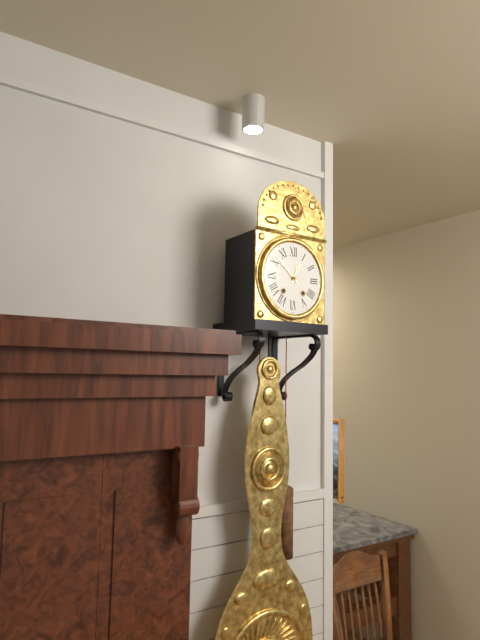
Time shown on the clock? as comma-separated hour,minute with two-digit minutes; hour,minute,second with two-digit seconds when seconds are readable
12,52
